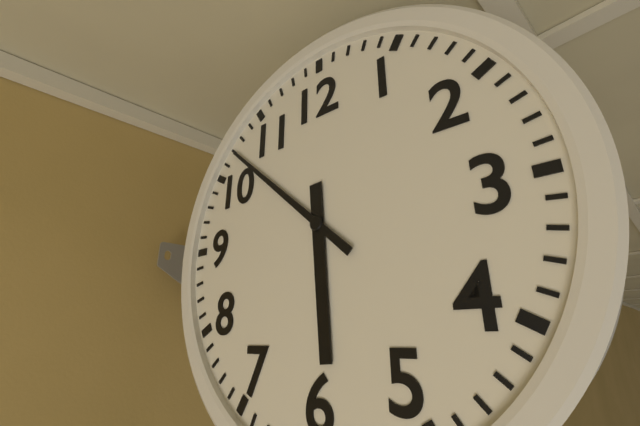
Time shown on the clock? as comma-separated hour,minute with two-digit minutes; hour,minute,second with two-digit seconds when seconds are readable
5,52
